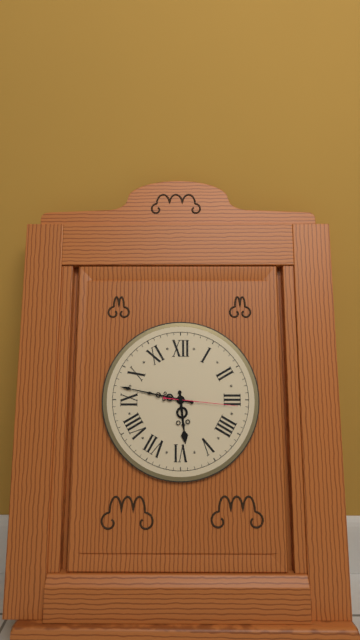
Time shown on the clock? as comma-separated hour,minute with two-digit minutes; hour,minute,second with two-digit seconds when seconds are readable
5,47,16
